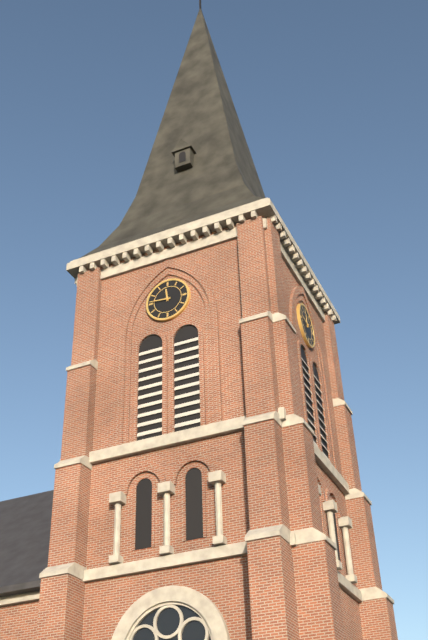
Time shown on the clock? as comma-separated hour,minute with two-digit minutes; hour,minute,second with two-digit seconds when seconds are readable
11,46
